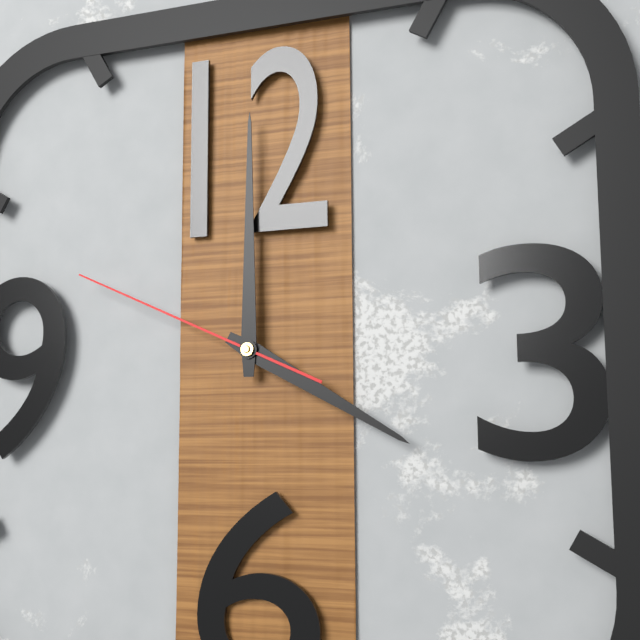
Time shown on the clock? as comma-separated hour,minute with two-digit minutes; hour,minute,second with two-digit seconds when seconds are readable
4,00,49
